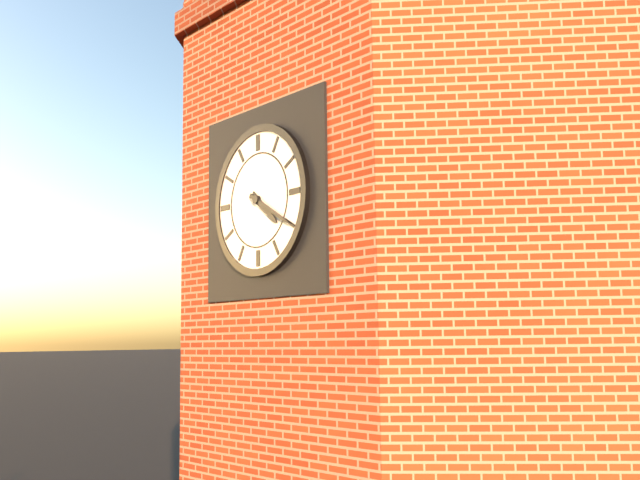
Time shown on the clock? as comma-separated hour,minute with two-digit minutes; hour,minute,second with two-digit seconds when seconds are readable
4,20
